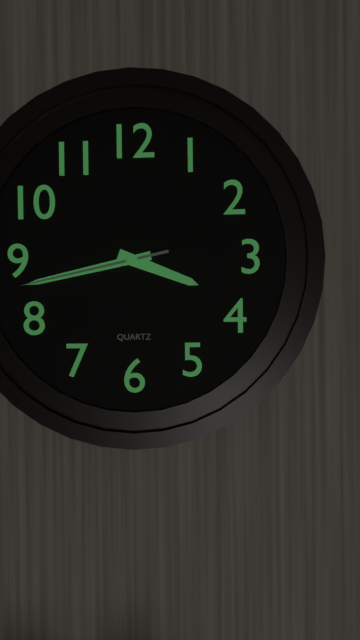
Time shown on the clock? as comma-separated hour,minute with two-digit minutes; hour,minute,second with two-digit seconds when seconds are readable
3,43,43
